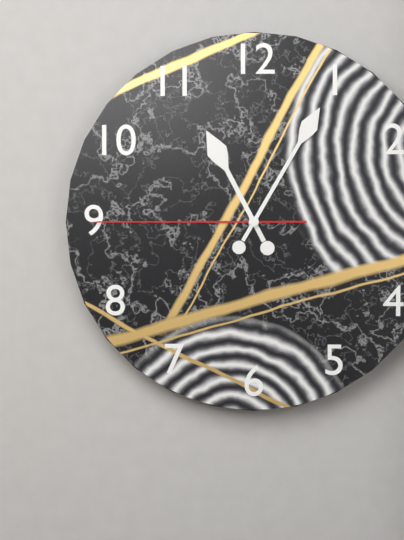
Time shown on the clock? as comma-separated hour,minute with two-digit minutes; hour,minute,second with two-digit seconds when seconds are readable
11,05,45
